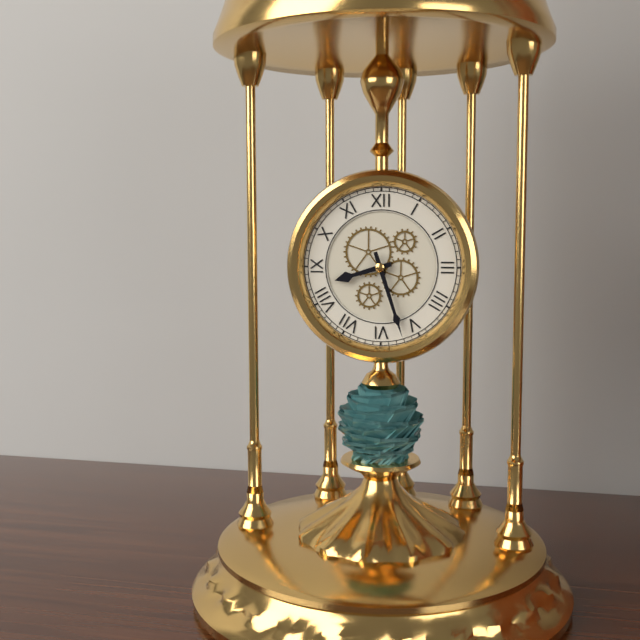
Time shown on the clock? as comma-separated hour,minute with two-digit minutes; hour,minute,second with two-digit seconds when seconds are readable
8,27
